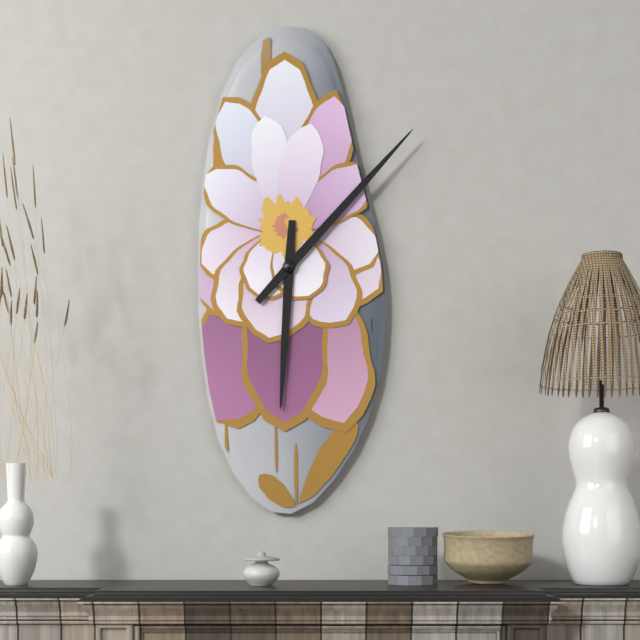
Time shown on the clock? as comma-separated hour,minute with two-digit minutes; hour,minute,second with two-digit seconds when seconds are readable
6,07
